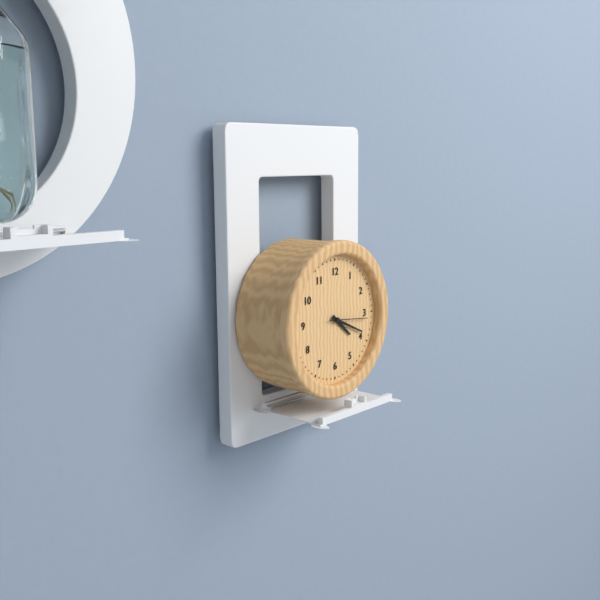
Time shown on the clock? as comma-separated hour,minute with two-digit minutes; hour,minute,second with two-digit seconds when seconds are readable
4,19
